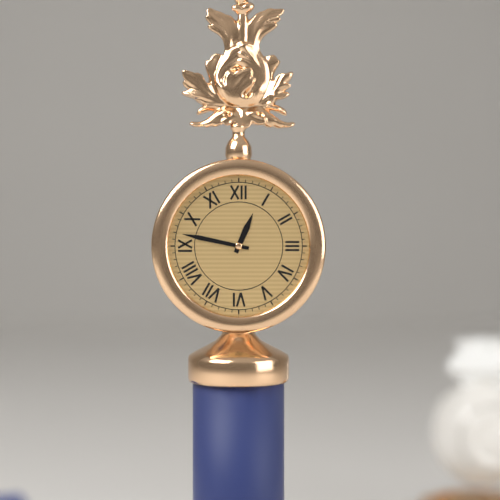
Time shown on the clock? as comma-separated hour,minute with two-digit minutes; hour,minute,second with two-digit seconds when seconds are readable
12,47
